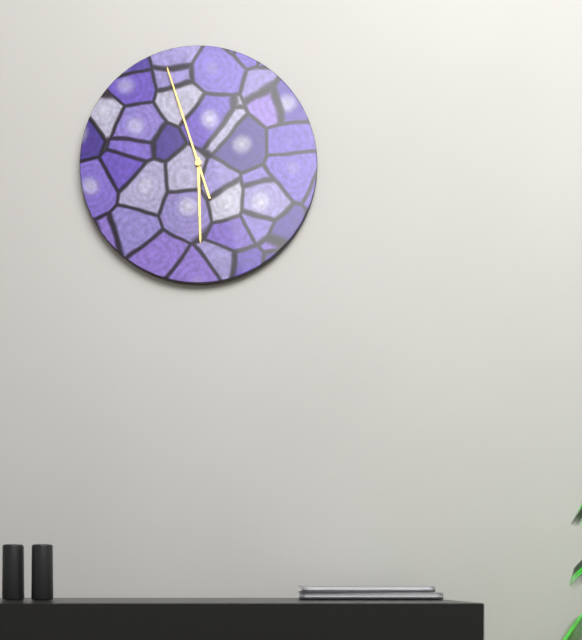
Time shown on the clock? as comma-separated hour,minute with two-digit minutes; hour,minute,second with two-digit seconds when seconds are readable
5,57
